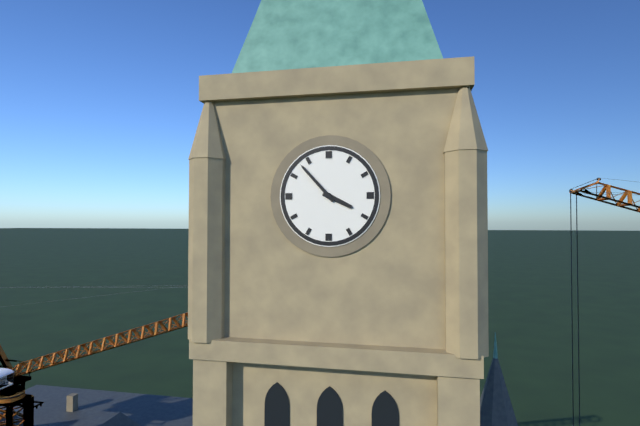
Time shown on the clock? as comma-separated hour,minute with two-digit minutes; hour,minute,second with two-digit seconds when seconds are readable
3,53
